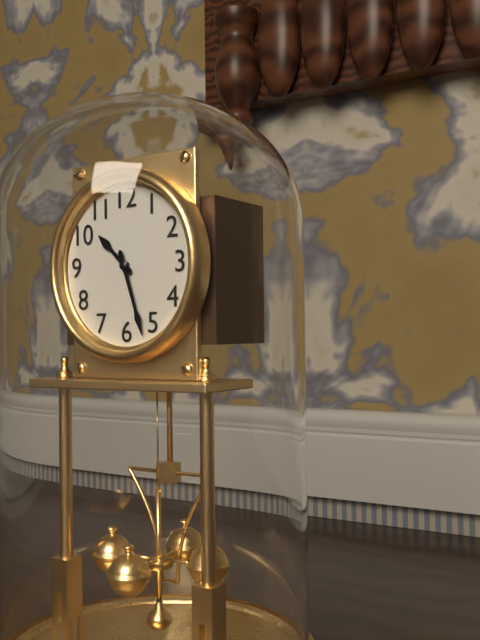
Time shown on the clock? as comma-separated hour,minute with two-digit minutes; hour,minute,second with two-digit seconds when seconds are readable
10,27
